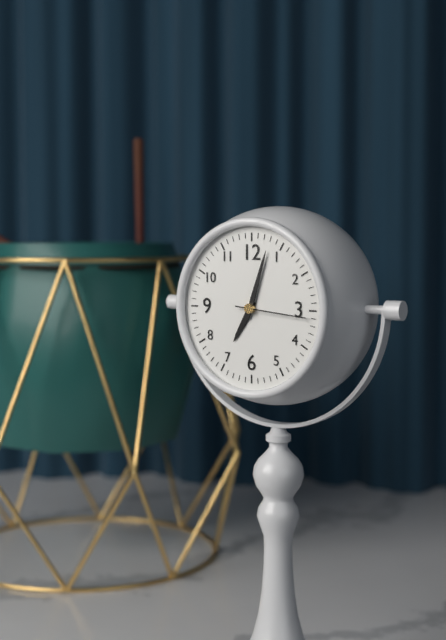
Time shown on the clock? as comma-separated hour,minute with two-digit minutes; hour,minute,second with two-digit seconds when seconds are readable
7,03,16
